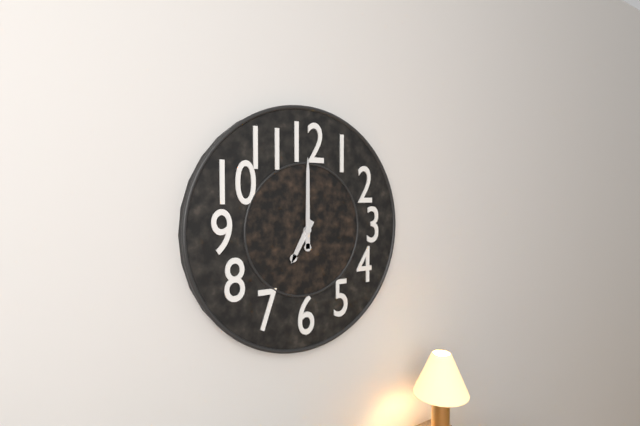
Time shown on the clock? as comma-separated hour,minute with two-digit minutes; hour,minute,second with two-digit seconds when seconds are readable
7,00
